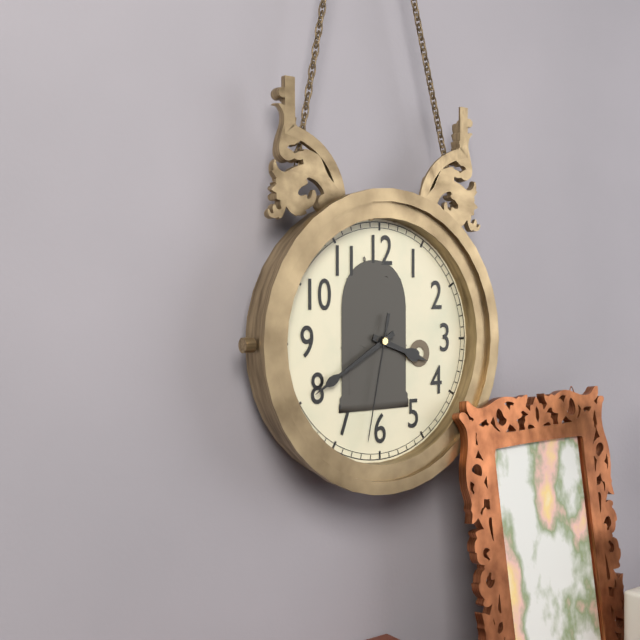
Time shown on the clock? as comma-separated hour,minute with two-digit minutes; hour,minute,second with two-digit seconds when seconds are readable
3,40,32
